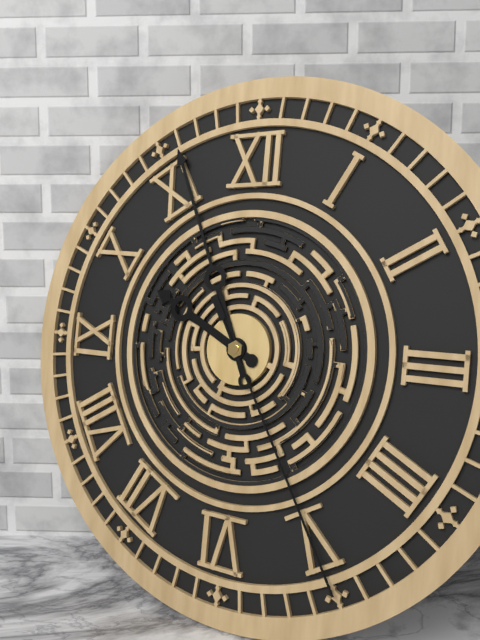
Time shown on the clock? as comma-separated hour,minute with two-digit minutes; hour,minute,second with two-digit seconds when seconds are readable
9,56,25
